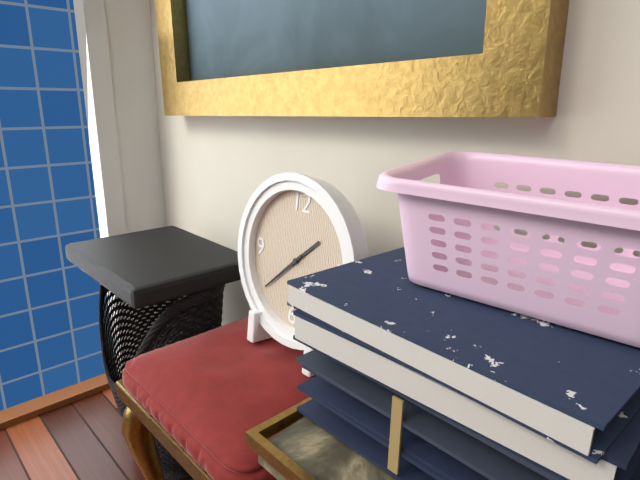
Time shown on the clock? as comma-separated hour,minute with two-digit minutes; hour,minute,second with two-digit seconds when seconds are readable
1,38
